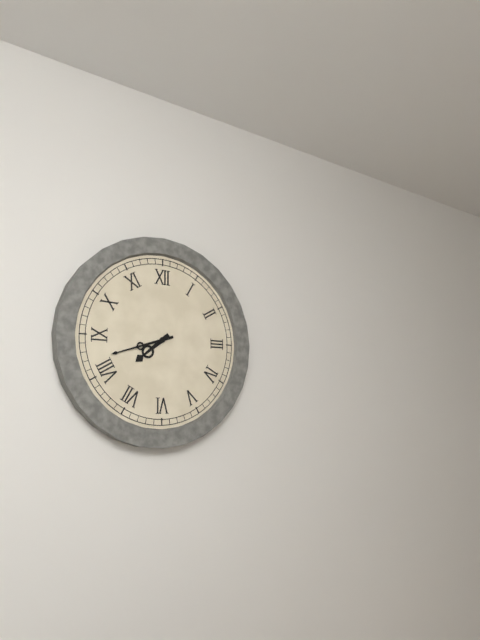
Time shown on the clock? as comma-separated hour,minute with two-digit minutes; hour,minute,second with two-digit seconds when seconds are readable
7,42
